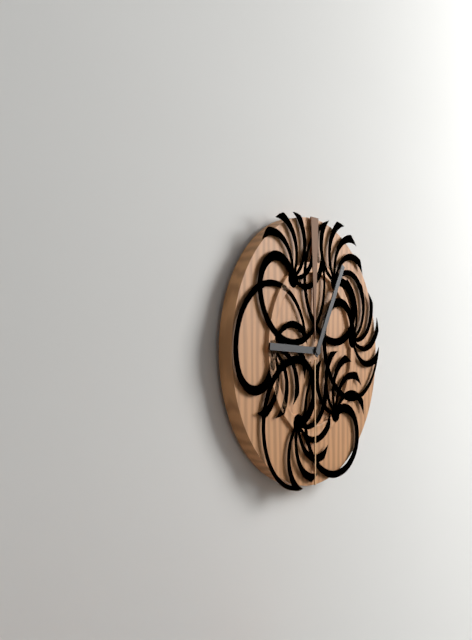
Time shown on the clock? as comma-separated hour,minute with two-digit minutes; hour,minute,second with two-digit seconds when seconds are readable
9,05
